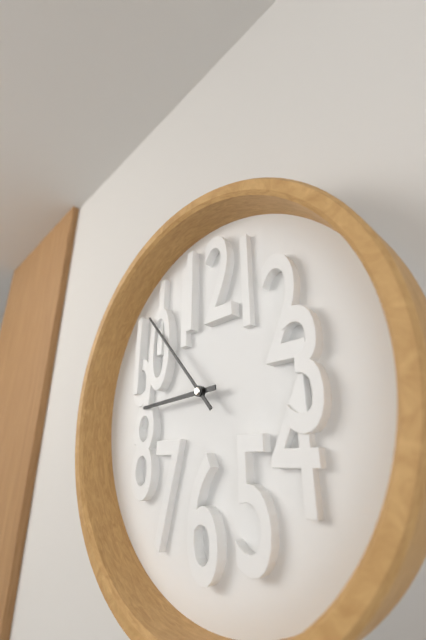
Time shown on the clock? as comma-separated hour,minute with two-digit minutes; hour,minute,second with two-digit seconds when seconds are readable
8,53
